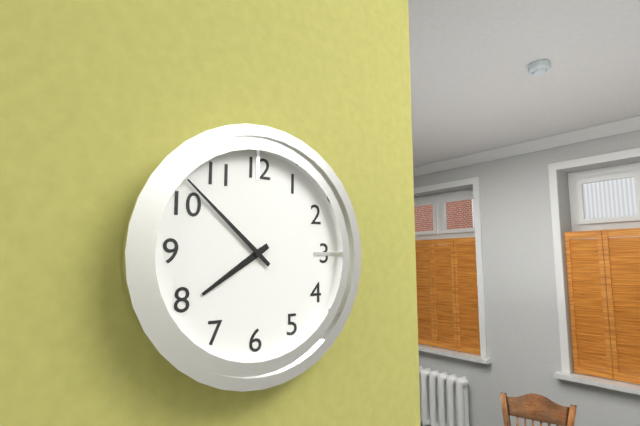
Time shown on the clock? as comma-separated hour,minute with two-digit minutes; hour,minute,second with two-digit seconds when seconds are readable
7,52
